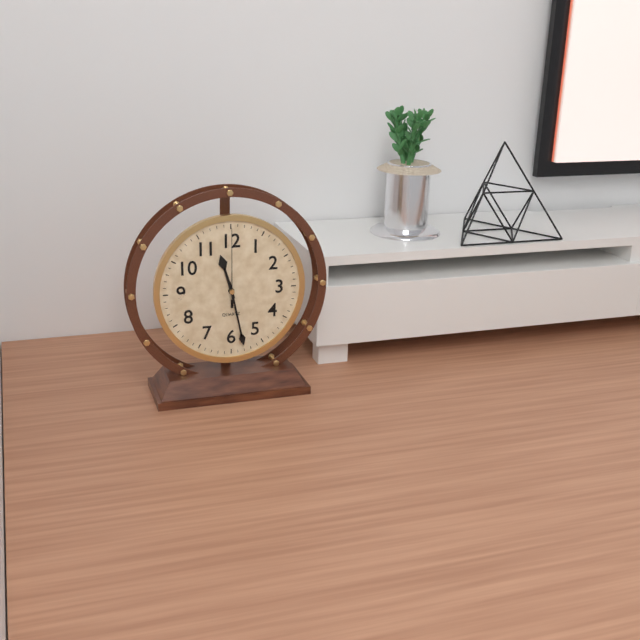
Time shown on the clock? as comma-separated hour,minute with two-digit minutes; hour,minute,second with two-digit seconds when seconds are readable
11,28,00
